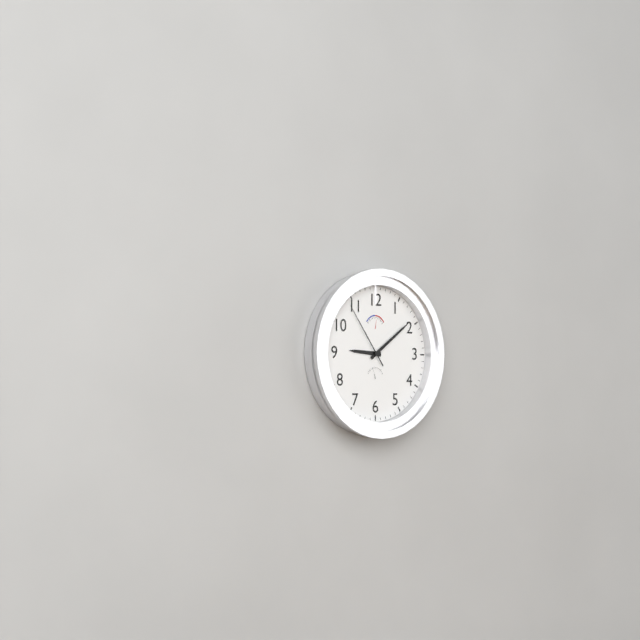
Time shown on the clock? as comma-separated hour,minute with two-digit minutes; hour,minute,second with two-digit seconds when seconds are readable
9,09,54
